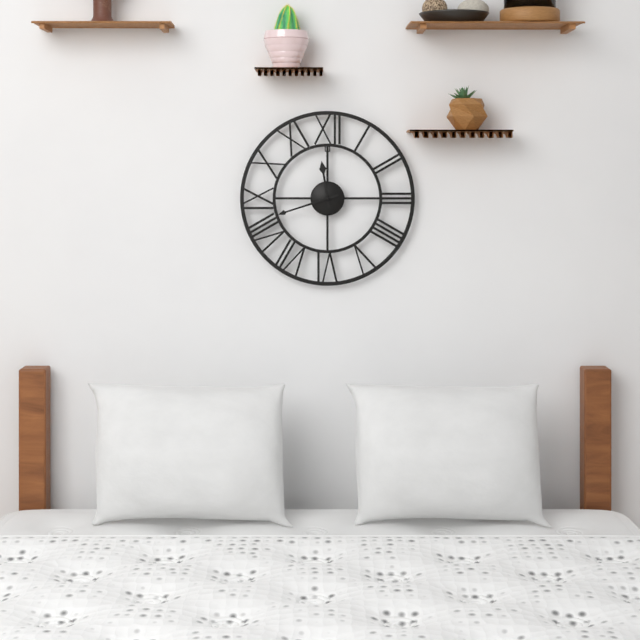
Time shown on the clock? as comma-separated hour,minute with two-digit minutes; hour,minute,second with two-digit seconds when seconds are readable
11,42
